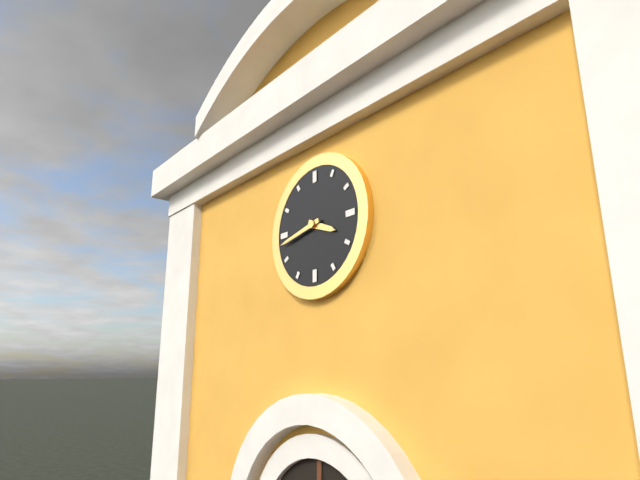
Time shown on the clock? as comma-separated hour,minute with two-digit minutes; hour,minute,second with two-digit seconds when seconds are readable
3,43
